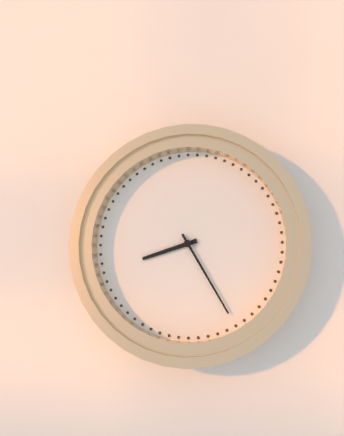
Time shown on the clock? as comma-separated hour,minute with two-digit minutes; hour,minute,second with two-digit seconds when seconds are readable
8,25
